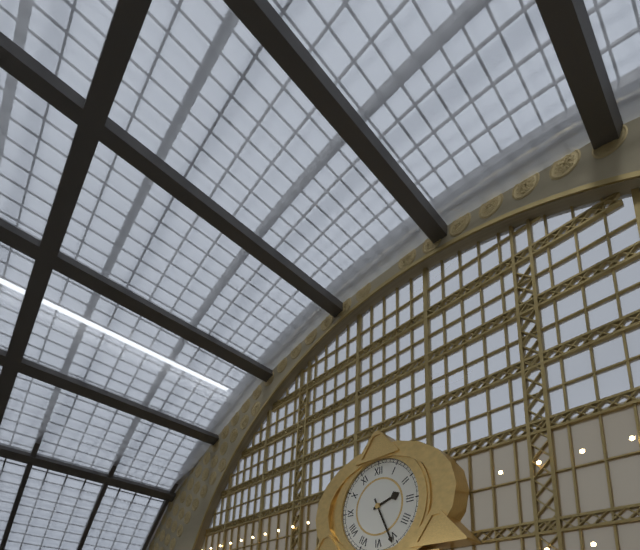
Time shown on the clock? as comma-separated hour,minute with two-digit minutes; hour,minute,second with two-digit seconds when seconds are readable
2,26
